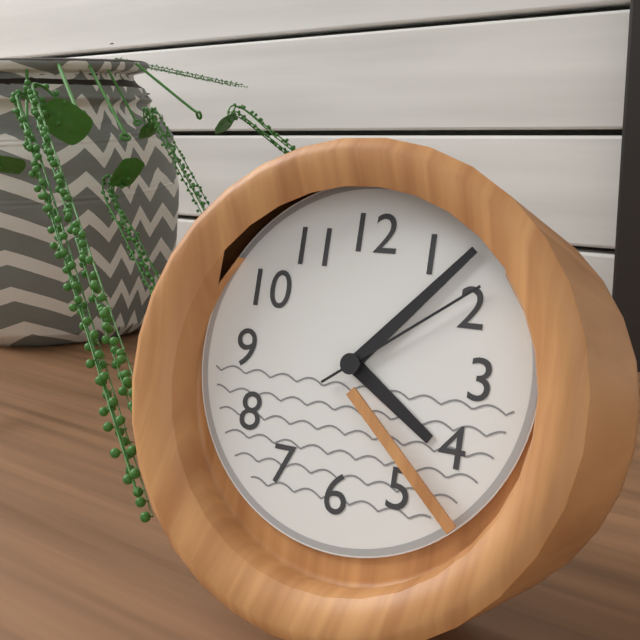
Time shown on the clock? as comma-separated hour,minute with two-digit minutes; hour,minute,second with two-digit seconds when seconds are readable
4,07,09
